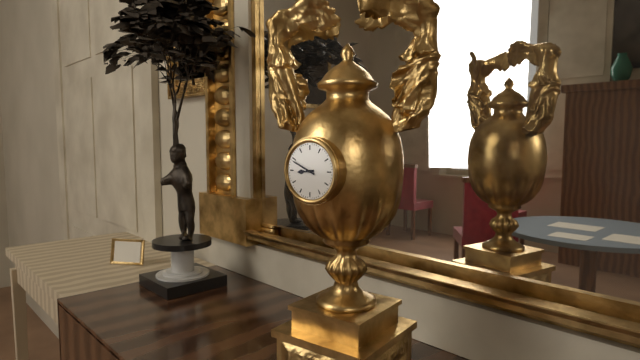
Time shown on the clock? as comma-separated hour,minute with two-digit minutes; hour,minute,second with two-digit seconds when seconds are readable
8,49
